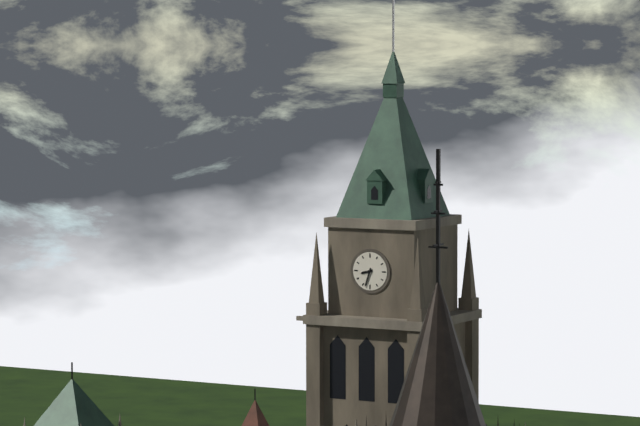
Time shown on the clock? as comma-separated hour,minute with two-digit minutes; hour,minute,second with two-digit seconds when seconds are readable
8,33
